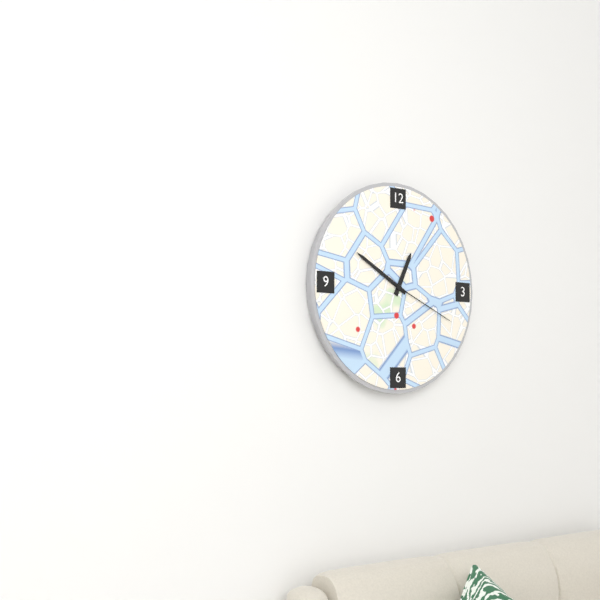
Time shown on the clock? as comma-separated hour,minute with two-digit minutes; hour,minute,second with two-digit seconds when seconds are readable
12,50,19
